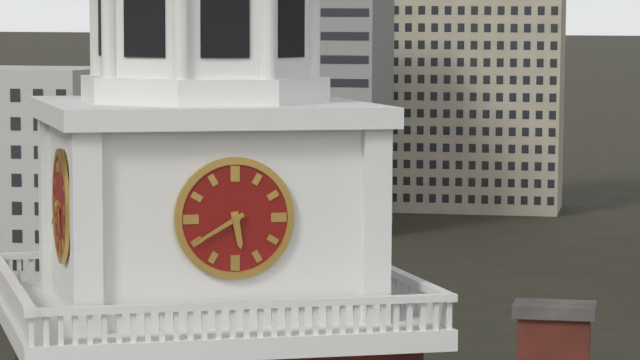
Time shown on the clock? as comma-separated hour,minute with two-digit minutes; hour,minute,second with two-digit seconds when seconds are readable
5,40
